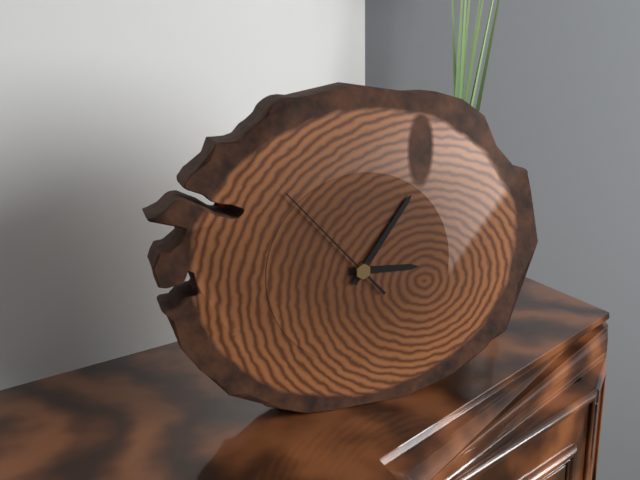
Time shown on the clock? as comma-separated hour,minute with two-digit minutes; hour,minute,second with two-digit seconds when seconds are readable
3,06,53
